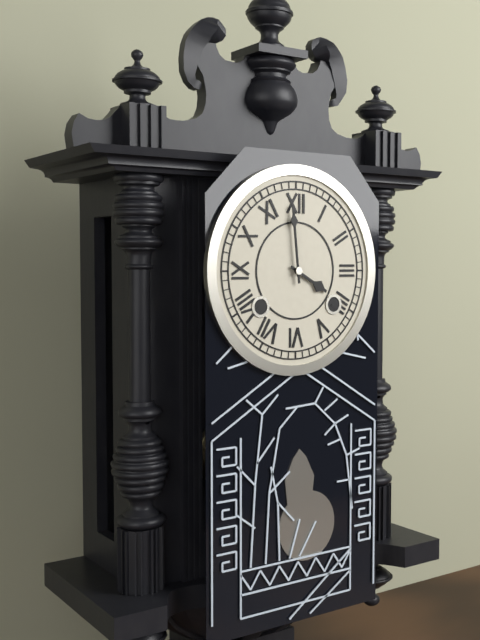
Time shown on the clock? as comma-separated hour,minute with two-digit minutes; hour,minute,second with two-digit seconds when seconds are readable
3,59
